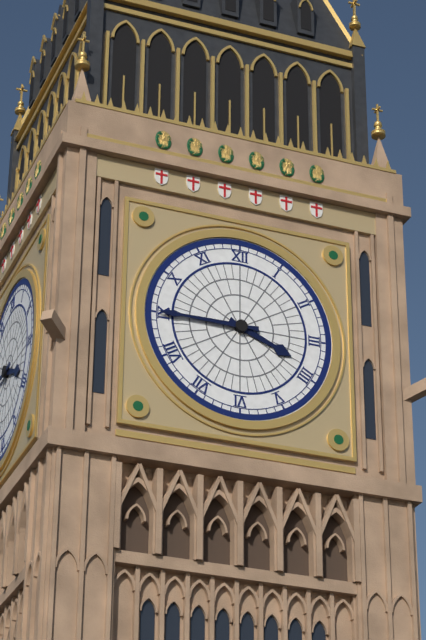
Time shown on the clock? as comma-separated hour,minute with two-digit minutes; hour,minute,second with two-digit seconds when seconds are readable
3,45
